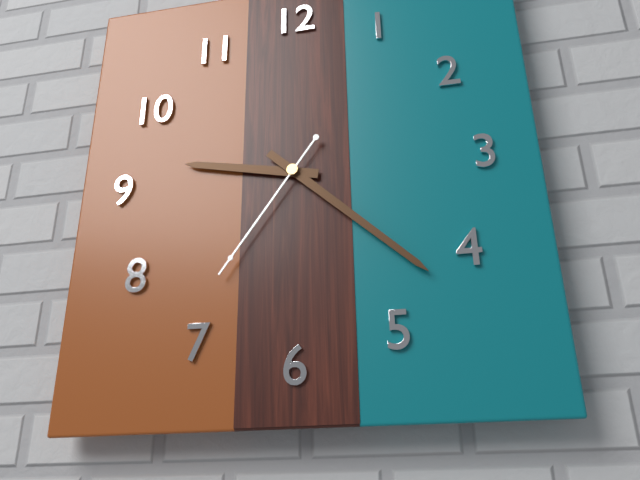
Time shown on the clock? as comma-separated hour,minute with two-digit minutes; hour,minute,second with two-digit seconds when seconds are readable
9,22,36
